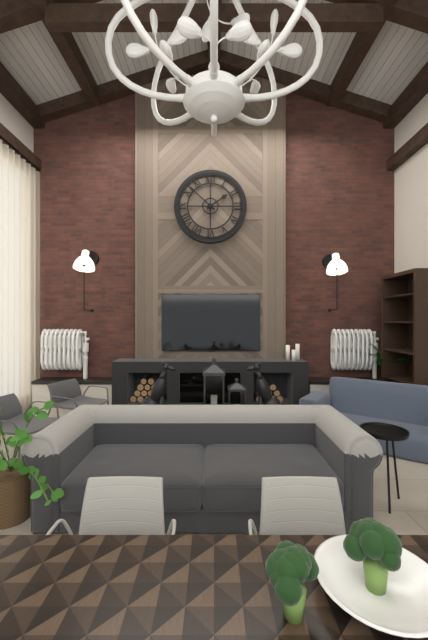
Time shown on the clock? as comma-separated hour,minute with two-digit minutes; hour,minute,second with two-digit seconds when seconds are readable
1,52
